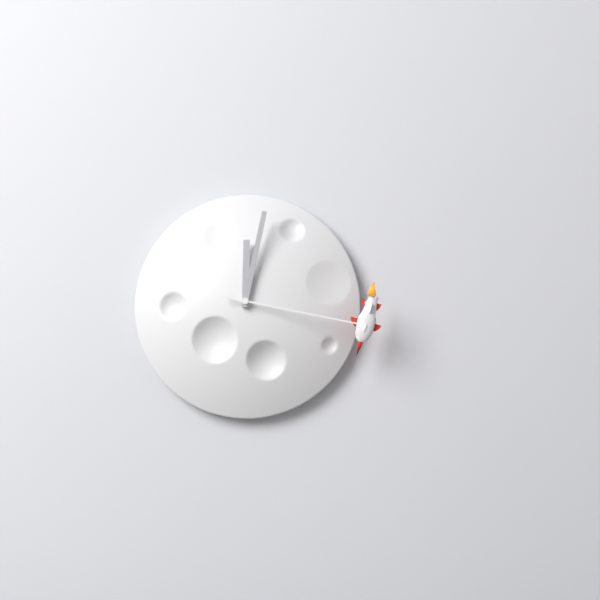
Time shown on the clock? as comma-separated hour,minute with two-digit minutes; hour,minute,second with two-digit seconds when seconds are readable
12,02,17
